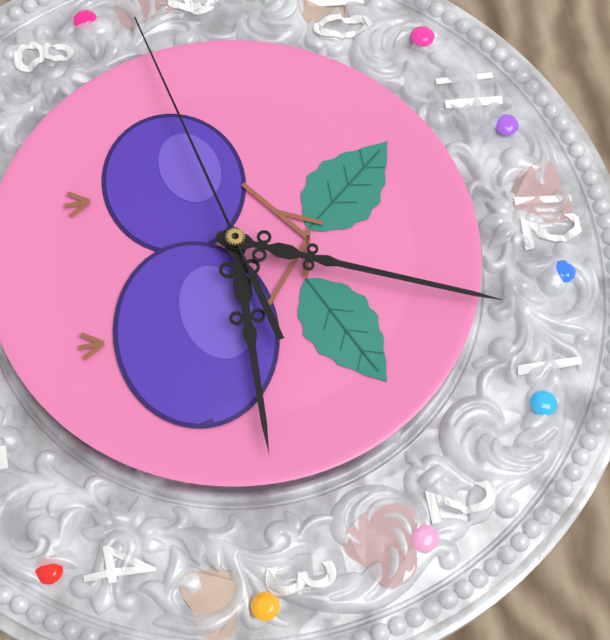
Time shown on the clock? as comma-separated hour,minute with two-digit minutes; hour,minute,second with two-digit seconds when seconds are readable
3,04,43
